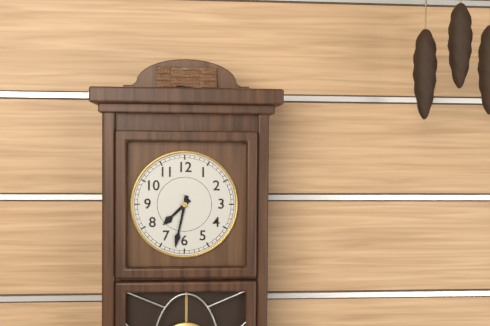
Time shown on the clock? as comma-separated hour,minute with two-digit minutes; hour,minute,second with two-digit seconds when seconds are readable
7,32
